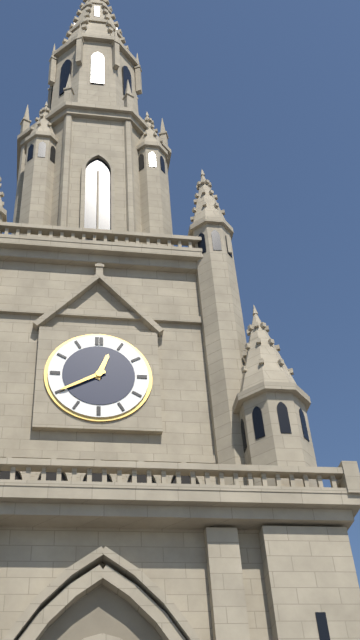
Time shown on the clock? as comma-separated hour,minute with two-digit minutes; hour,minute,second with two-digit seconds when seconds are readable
12,40
